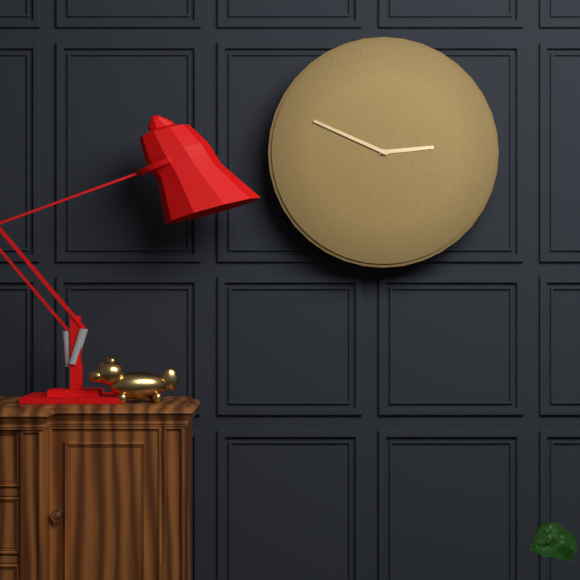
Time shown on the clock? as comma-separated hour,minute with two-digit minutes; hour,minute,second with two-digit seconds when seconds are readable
2,49
